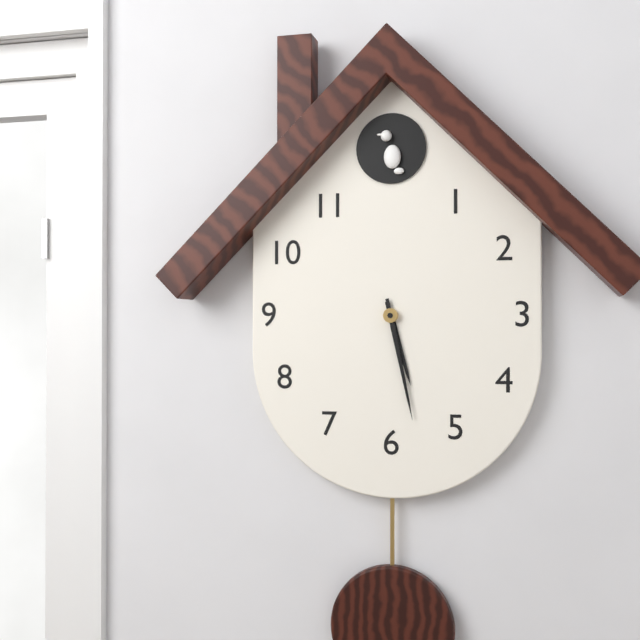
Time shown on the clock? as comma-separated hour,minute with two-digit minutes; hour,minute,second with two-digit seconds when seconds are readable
5,28
